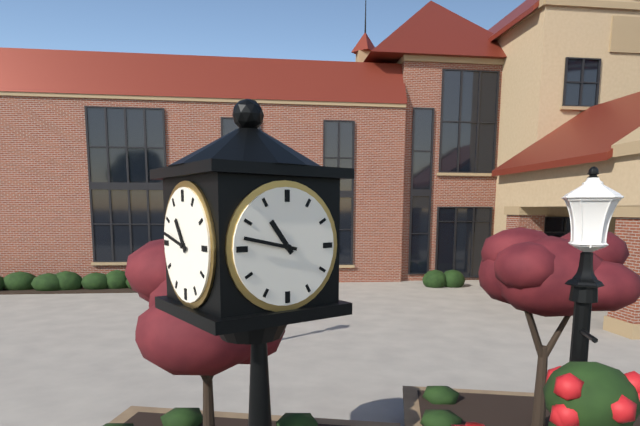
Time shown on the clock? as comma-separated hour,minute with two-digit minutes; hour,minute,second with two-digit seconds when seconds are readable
10,47
